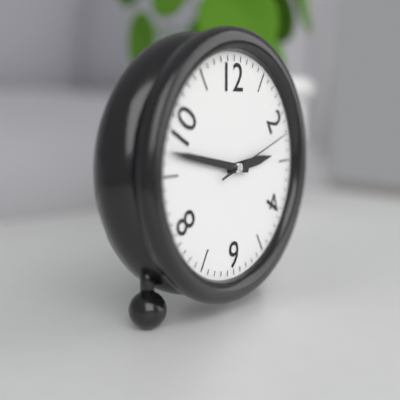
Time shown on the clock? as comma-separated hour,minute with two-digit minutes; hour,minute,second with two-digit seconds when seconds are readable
2,47,12
